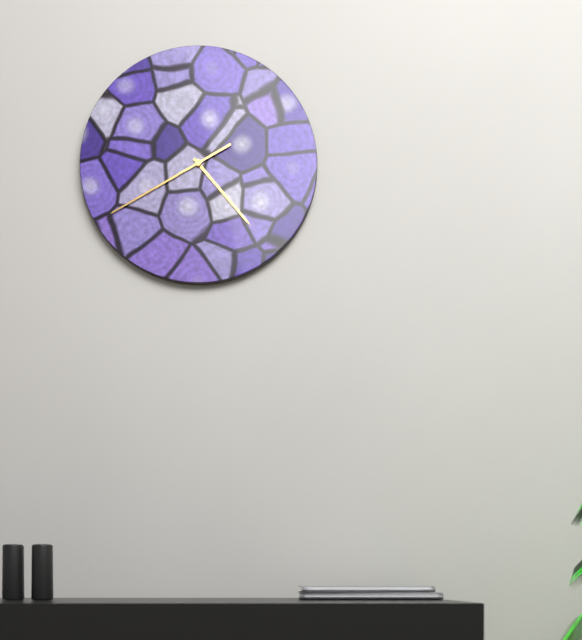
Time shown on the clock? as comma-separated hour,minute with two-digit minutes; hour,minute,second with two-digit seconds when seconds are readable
4,40
